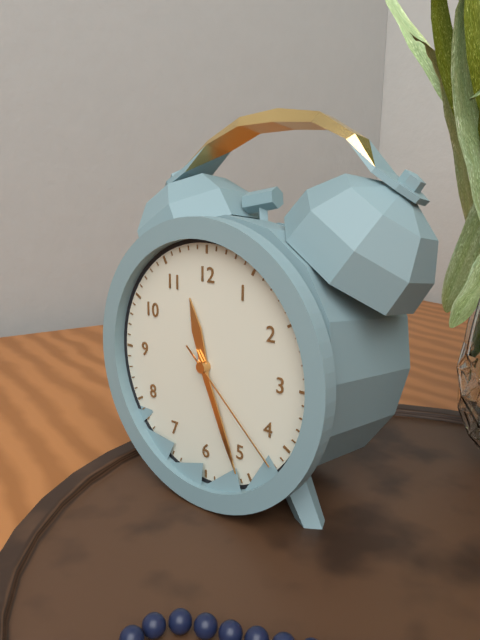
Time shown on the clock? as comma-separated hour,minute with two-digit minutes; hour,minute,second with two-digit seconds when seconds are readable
11,26,22
